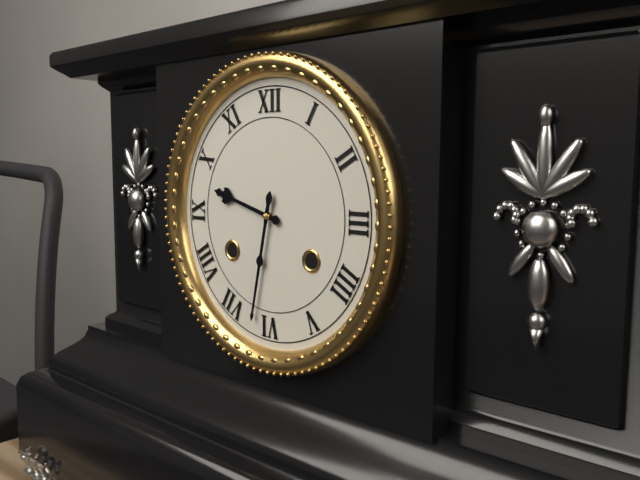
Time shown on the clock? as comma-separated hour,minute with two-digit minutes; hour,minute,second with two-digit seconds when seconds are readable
9,32
